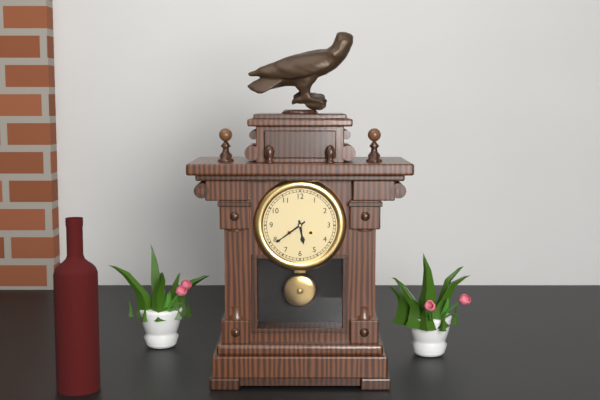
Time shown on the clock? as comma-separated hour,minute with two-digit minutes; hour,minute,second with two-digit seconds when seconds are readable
5,39
